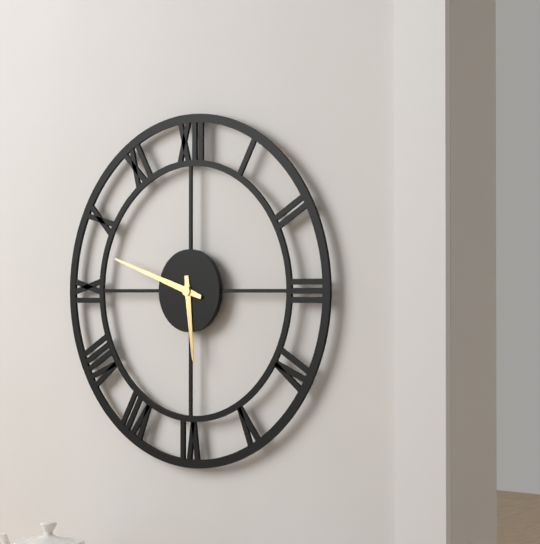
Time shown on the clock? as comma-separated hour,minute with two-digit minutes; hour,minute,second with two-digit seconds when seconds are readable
5,48
